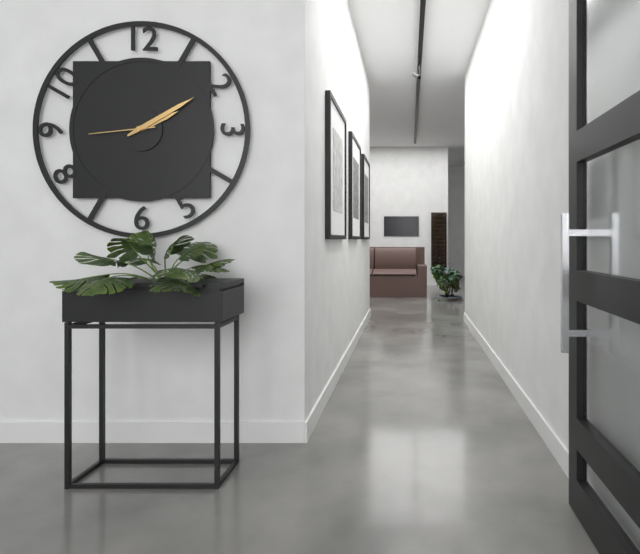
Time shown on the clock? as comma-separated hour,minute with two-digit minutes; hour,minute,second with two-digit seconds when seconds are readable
2,10,44
